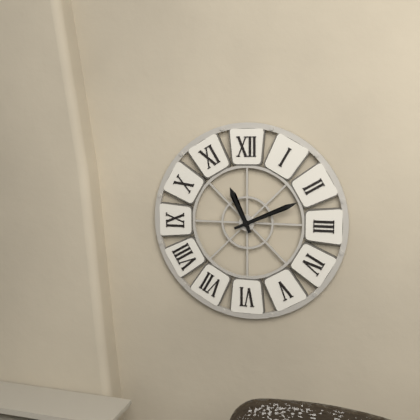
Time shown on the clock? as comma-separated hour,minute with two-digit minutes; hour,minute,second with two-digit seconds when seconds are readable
11,11
